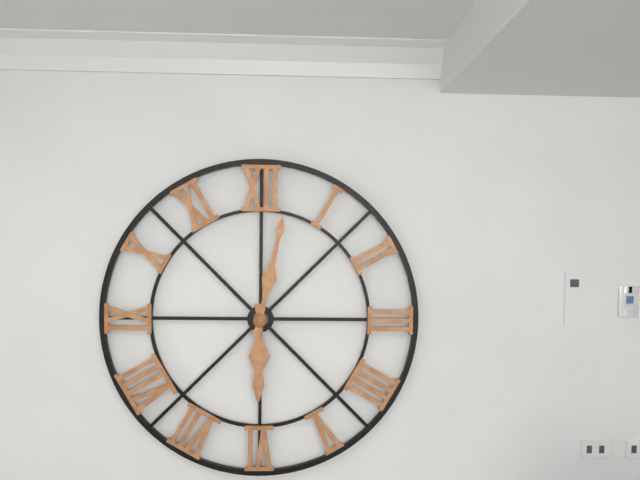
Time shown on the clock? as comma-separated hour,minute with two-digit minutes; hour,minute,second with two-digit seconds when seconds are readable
6,02
